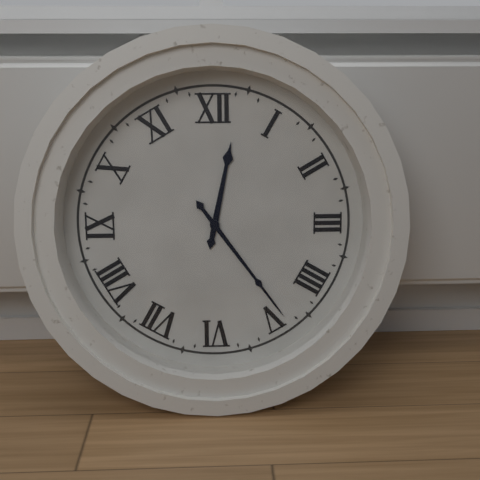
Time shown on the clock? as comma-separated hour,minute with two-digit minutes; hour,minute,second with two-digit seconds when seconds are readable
12,24
